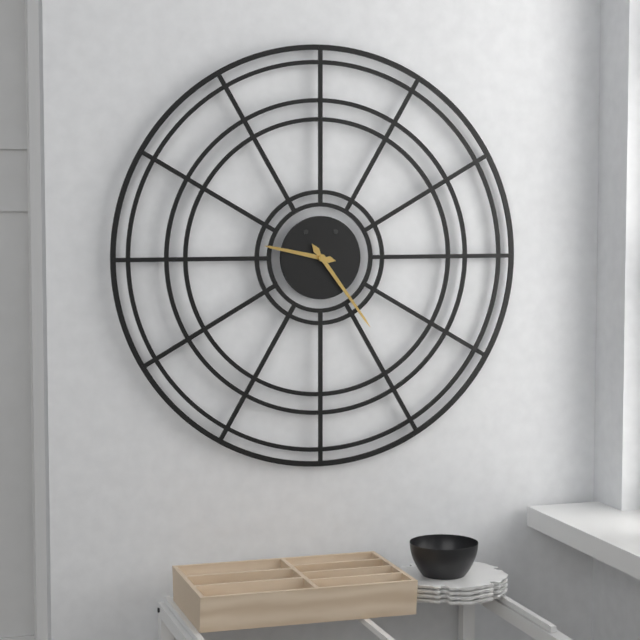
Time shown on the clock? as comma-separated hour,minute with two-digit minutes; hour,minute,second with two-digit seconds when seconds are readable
9,24
